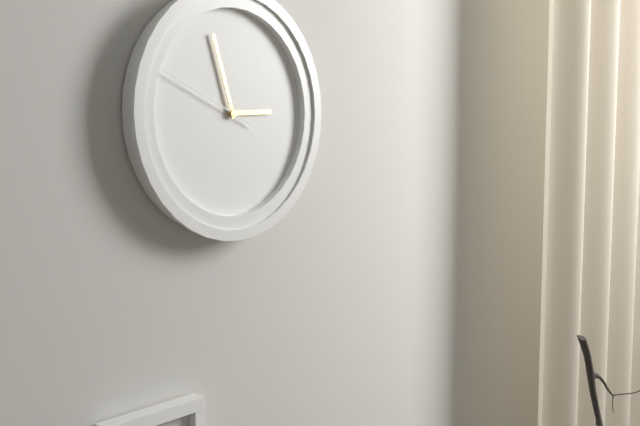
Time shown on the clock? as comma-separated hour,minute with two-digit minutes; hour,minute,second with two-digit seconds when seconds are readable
2,57,49
